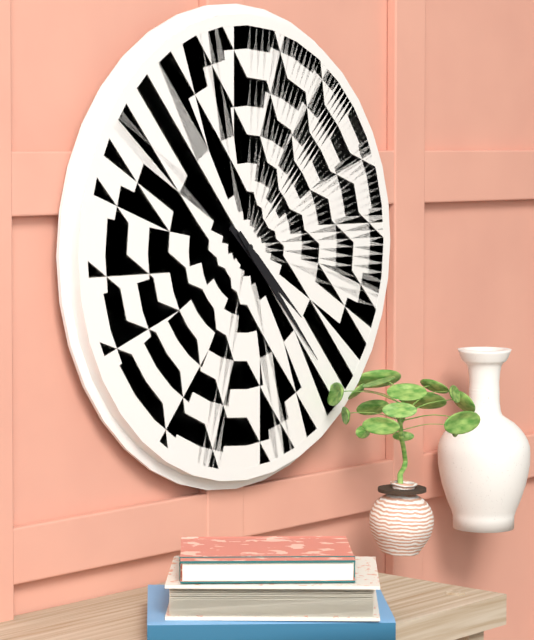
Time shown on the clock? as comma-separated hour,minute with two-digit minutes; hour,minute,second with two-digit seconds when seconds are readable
4,23
